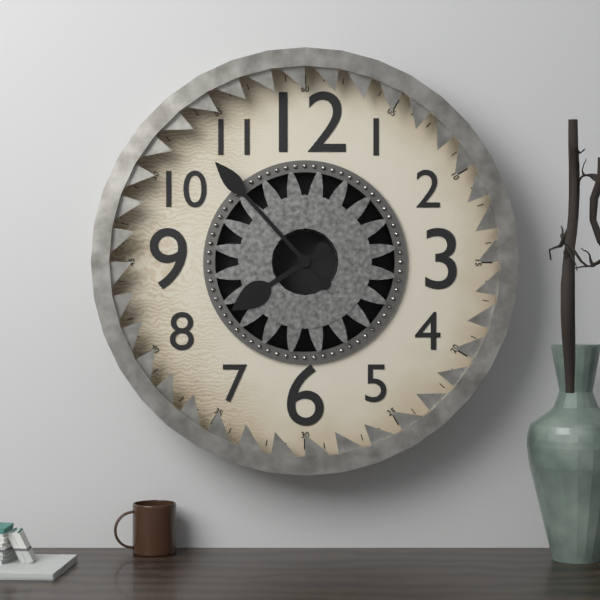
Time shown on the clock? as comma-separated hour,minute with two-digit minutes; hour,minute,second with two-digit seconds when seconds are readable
7,53
